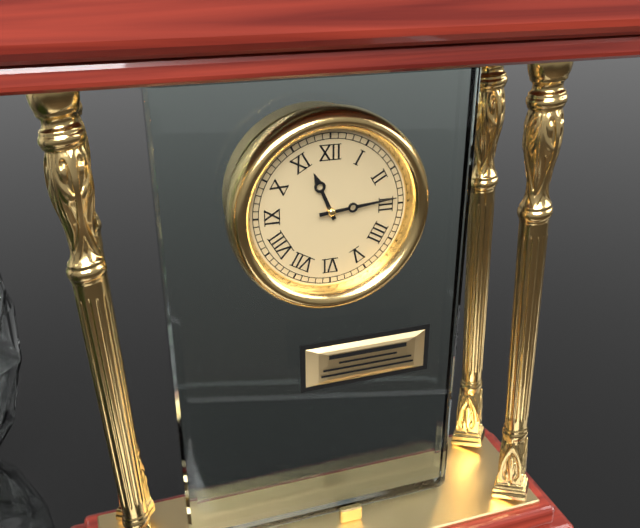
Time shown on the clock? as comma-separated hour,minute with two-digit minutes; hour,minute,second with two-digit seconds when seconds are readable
11,14
